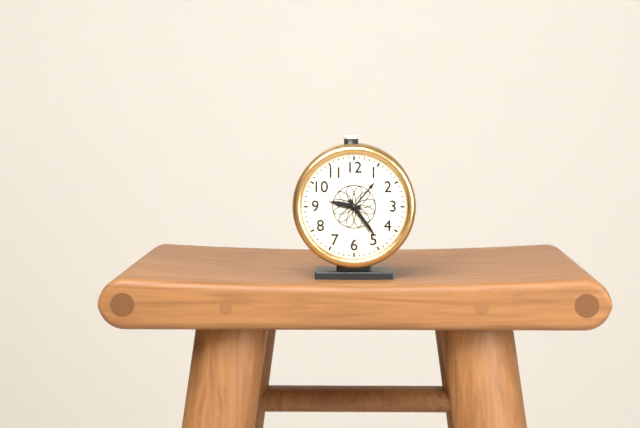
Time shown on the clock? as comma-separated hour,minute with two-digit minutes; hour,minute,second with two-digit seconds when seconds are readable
9,24
